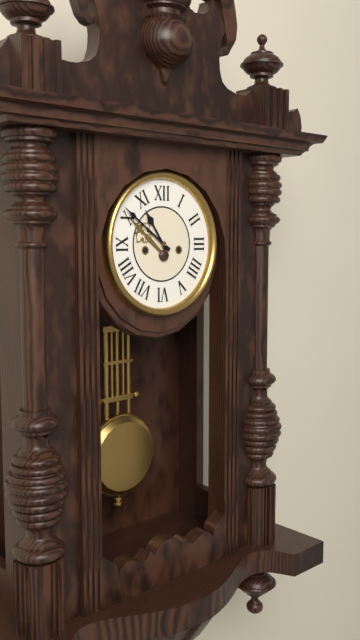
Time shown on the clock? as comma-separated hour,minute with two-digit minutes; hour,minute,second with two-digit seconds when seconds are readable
10,51
